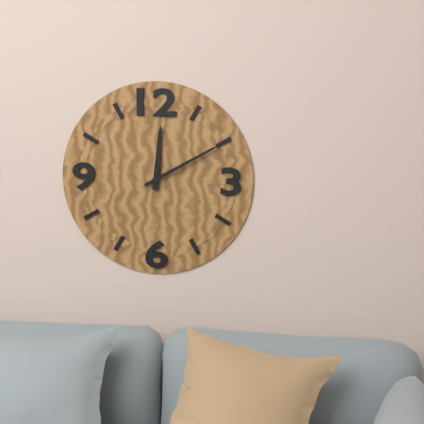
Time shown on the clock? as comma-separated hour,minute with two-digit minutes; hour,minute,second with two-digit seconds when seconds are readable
12,10
